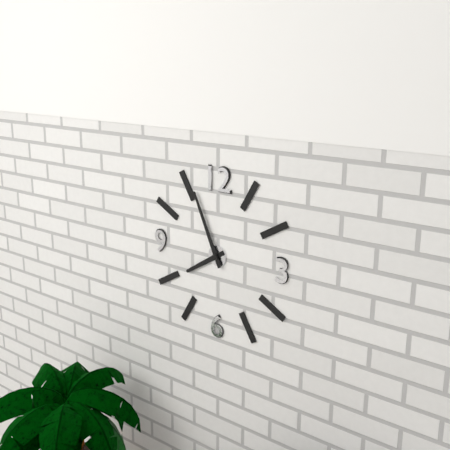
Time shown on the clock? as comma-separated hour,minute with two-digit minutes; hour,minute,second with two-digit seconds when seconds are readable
7,56
